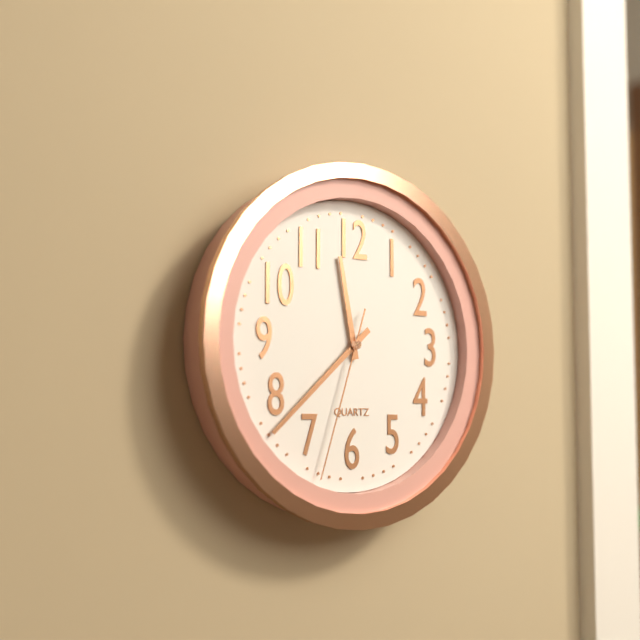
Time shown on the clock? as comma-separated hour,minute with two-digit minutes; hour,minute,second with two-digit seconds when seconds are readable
11,38,33
